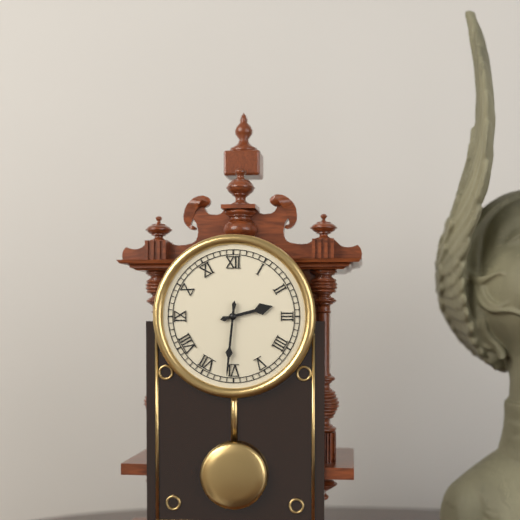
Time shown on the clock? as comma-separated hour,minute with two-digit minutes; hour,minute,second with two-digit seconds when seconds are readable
2,31
